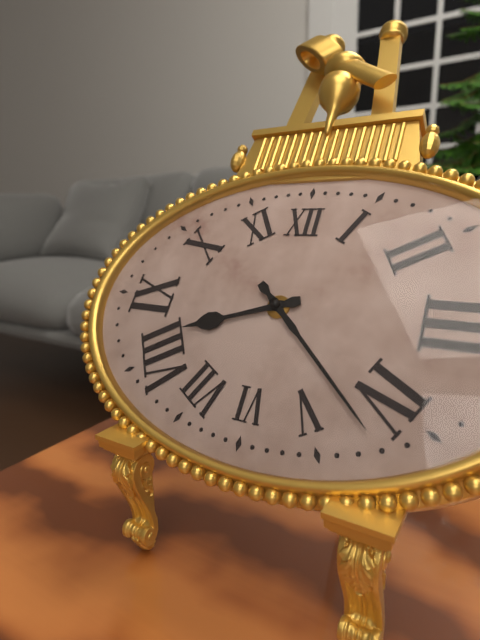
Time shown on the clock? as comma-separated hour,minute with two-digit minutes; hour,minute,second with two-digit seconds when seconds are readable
8,22
